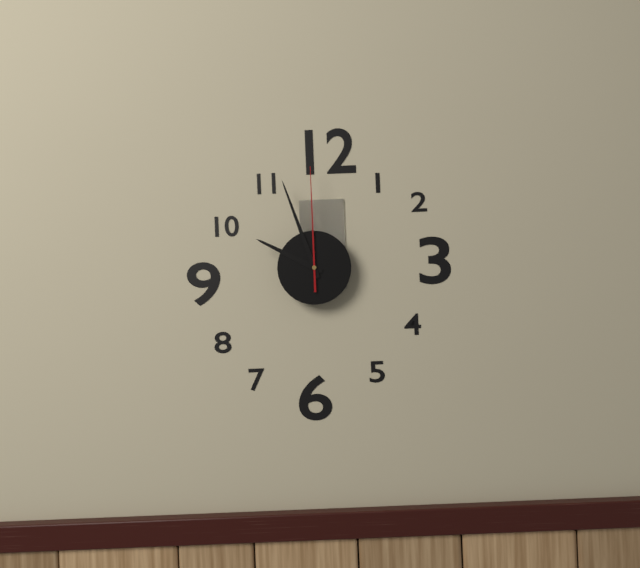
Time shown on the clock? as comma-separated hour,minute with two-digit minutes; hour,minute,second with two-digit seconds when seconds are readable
9,57,00
